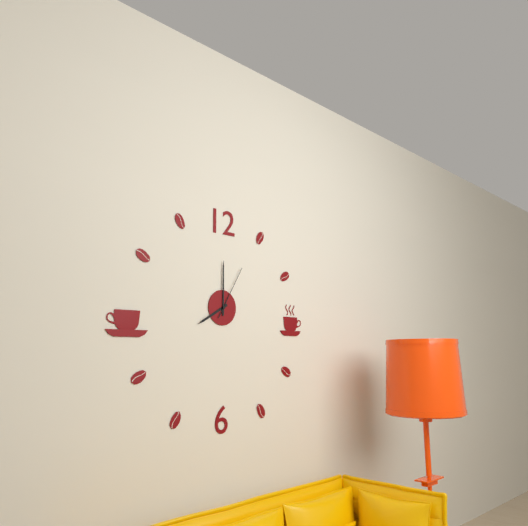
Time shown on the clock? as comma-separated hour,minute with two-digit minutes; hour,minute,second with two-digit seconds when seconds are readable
8,00,05
